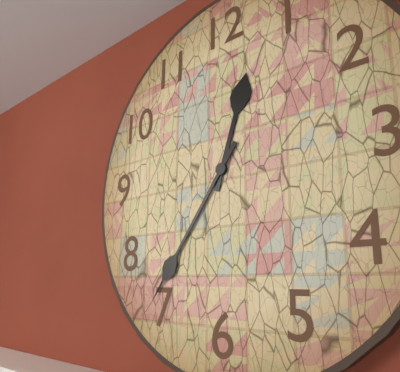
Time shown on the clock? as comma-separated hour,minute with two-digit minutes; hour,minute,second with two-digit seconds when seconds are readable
12,36
